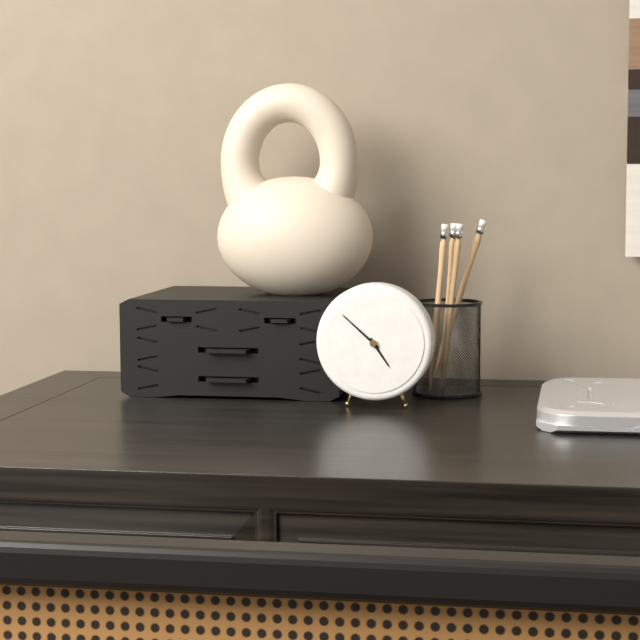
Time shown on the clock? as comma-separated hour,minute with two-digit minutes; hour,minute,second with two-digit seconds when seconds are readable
4,52
